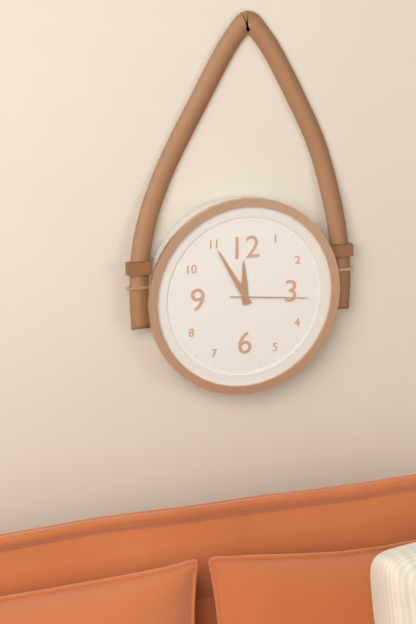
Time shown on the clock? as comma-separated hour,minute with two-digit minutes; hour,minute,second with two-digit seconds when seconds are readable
11,55,16
